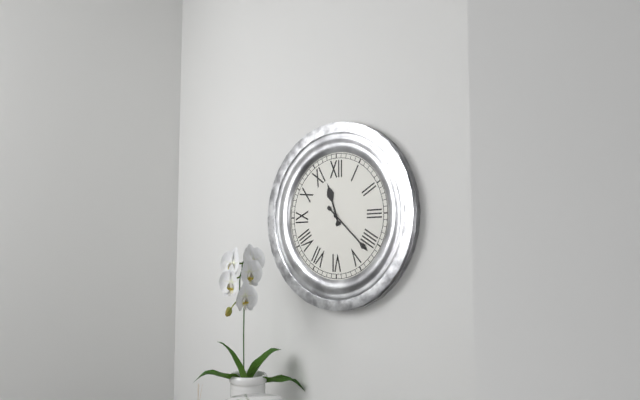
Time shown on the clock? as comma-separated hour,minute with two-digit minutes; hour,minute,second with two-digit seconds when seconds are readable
11,22
